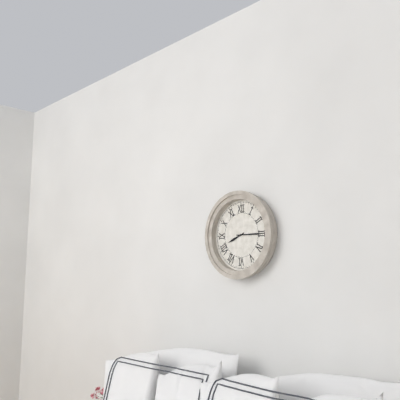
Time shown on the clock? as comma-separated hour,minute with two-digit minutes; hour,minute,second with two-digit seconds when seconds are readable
8,15
